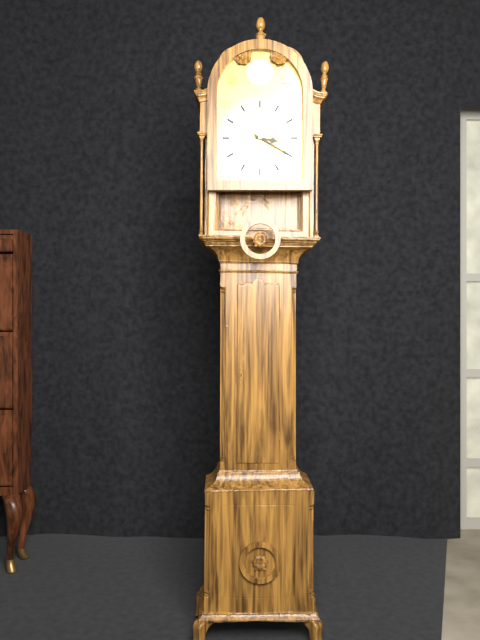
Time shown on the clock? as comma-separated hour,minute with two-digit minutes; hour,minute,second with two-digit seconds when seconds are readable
3,20
